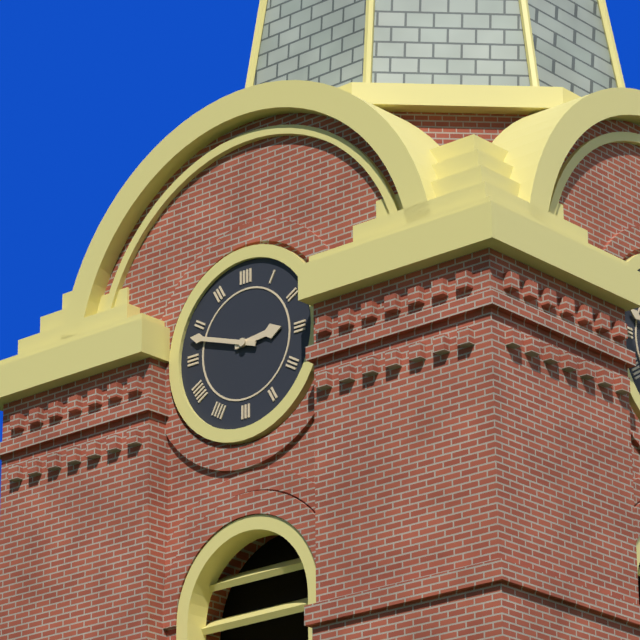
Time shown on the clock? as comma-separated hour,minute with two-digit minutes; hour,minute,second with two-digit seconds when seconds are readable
2,48
